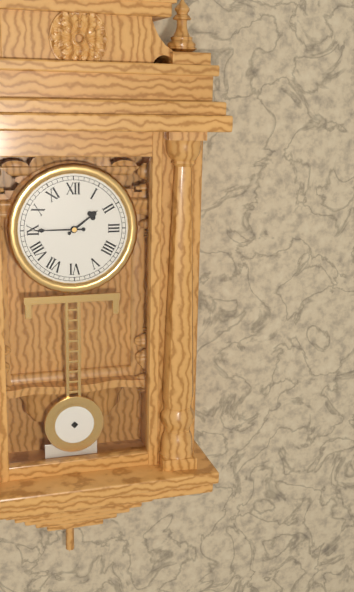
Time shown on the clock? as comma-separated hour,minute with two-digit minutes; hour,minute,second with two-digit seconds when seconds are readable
1,45
